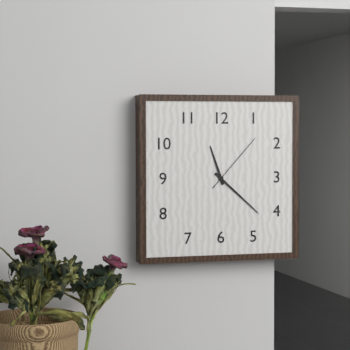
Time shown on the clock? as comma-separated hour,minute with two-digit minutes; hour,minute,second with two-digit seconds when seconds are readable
11,22,07
